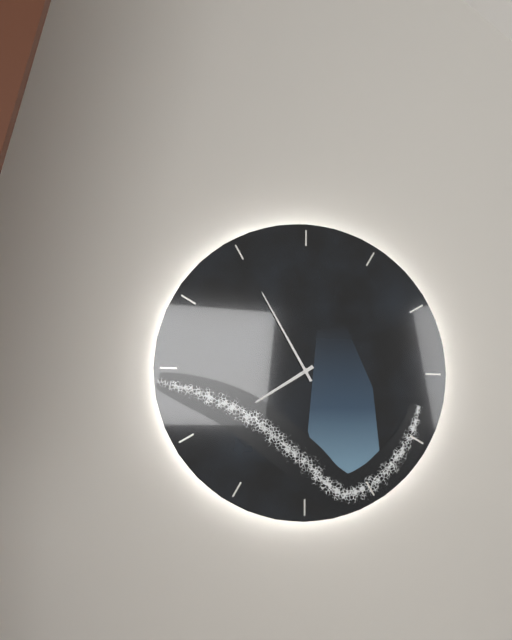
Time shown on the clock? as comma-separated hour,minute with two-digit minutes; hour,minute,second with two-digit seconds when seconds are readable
7,55
